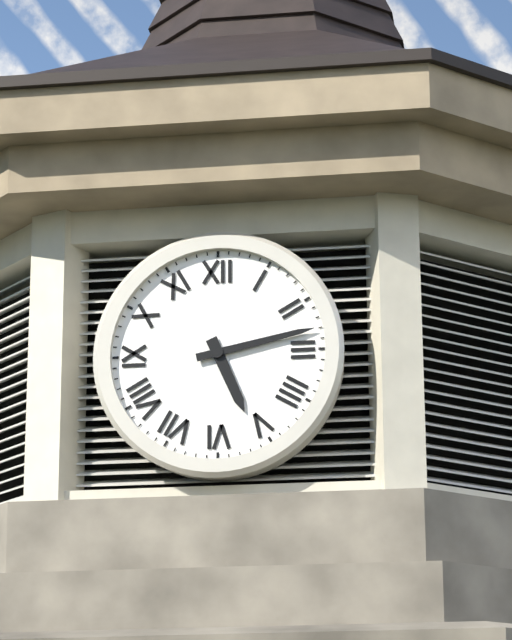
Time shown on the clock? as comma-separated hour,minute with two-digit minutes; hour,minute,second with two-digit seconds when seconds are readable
5,13
